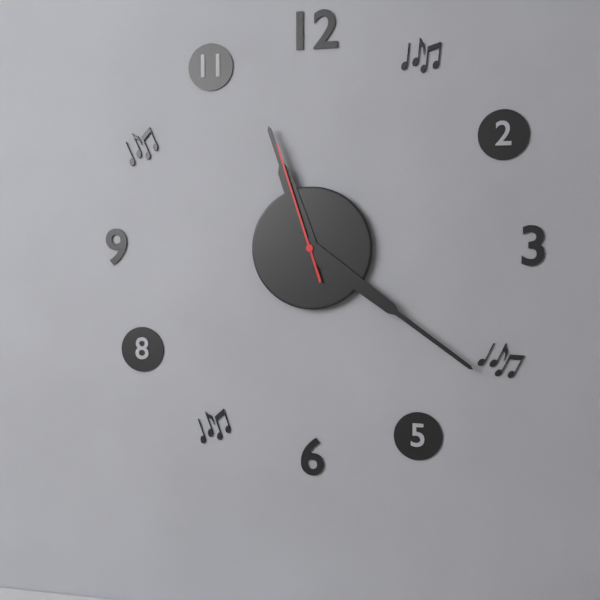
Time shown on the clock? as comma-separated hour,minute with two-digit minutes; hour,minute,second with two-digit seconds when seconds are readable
11,21,57
